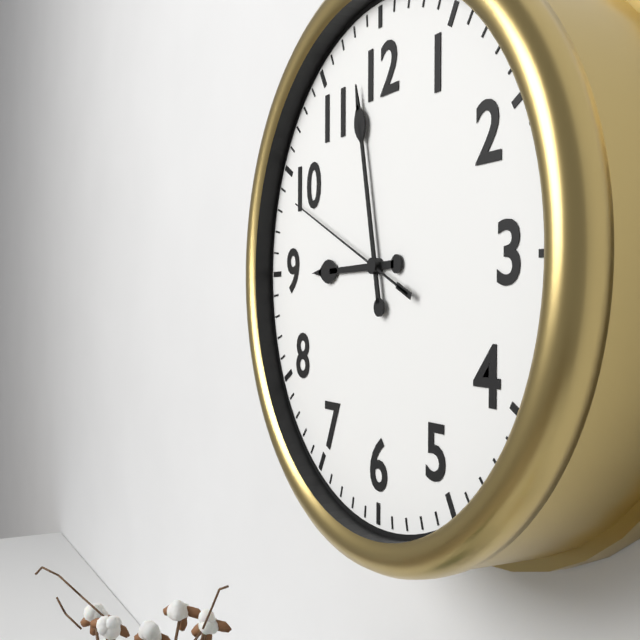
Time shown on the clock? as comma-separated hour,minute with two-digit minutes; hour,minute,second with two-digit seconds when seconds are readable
8,58,49
